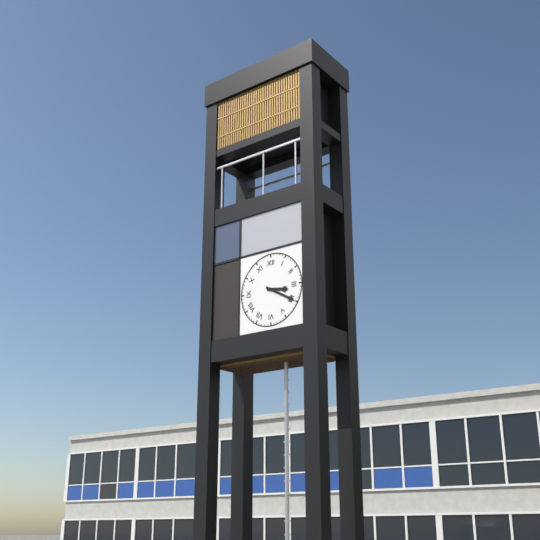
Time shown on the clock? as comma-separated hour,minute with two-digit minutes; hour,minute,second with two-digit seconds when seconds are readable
3,20
